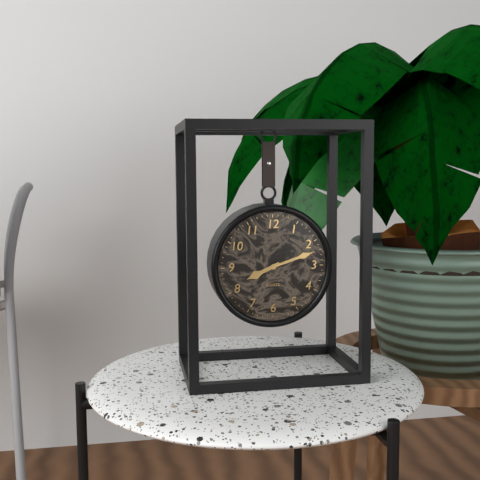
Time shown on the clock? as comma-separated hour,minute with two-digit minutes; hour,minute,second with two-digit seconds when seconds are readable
8,12
